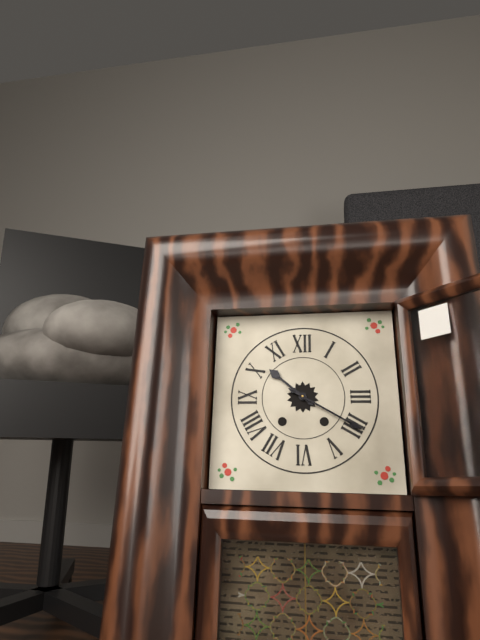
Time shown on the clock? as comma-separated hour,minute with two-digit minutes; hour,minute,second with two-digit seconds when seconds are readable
10,20
